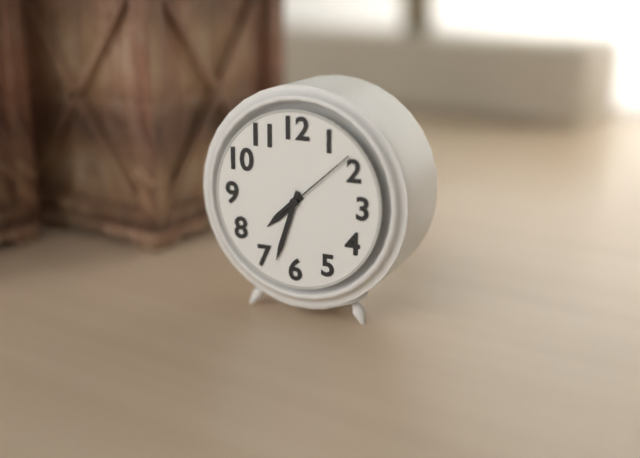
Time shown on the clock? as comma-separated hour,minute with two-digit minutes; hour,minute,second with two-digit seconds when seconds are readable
7,33,08
